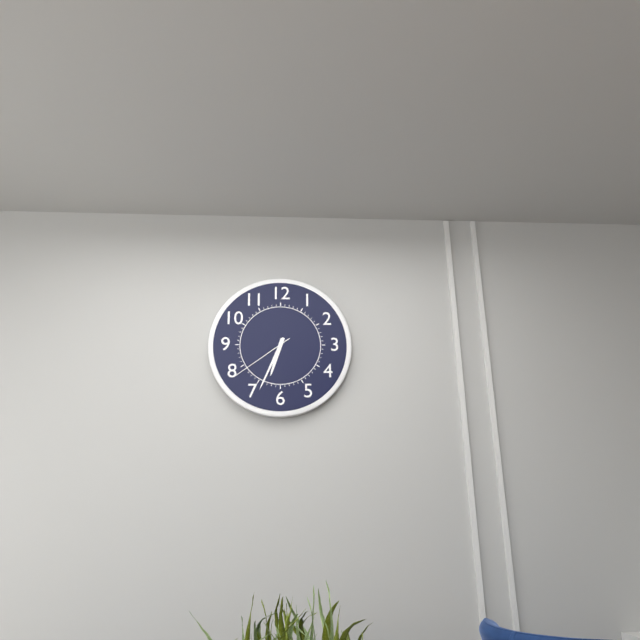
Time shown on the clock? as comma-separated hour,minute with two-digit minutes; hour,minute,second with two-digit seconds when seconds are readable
6,34,39
